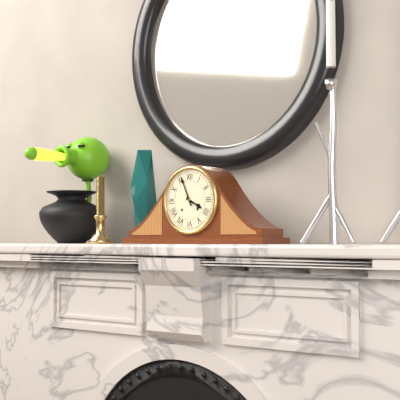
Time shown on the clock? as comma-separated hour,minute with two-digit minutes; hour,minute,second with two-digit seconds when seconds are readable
3,56
